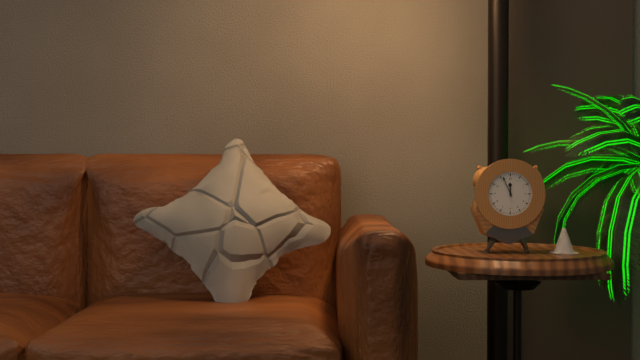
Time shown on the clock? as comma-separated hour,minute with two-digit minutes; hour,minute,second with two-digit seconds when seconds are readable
11,56
